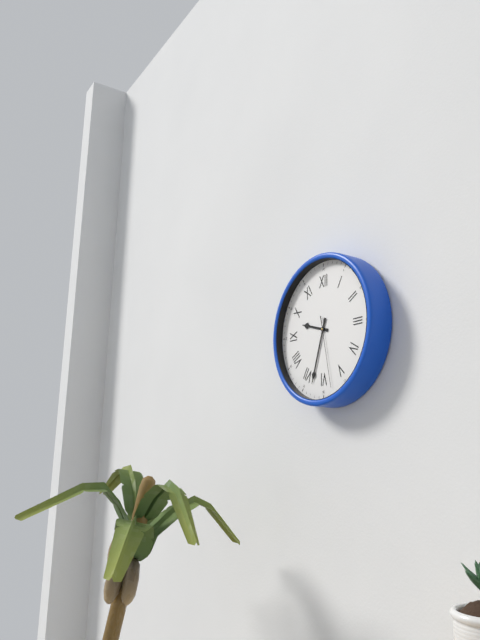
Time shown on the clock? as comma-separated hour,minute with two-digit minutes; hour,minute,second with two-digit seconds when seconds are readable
9,33,28
